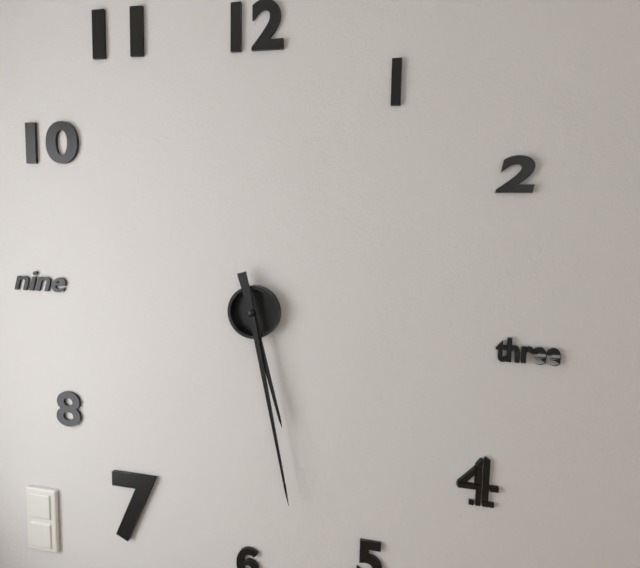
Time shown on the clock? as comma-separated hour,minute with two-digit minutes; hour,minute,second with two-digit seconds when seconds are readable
5,28
